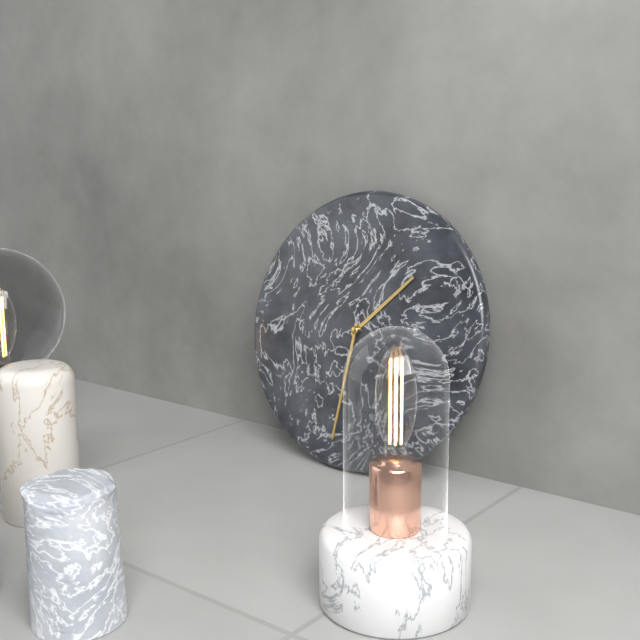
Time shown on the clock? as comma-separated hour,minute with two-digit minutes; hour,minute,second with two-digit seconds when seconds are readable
1,31
